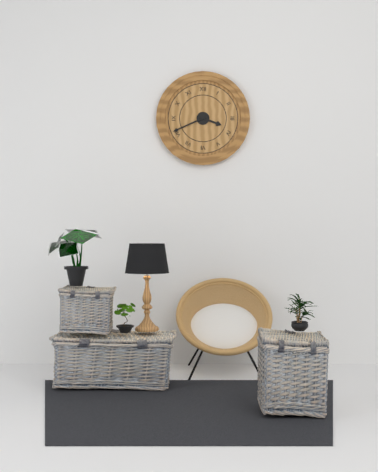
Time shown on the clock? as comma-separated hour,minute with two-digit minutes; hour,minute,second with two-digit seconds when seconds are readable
3,41
